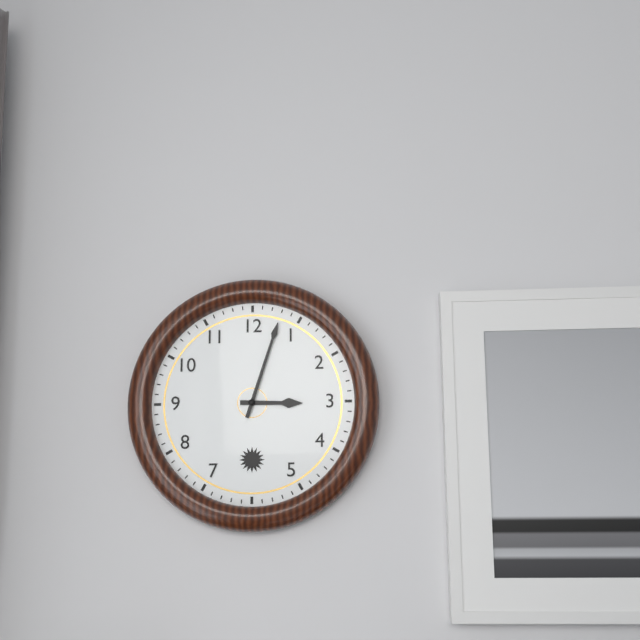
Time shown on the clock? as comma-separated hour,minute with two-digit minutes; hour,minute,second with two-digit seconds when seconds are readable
3,03
